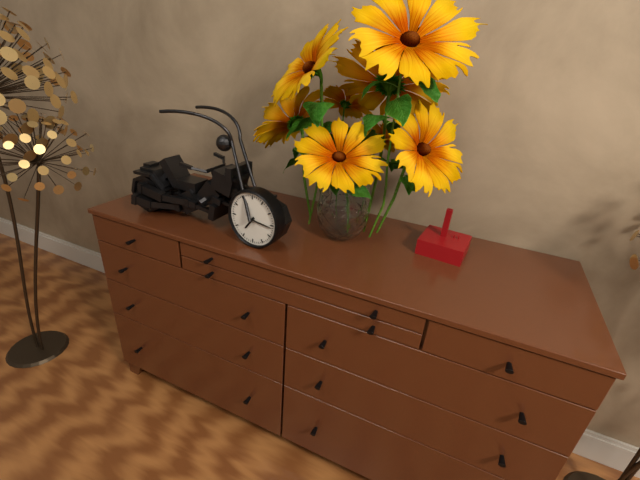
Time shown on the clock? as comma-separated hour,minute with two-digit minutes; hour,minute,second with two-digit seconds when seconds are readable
7,16
